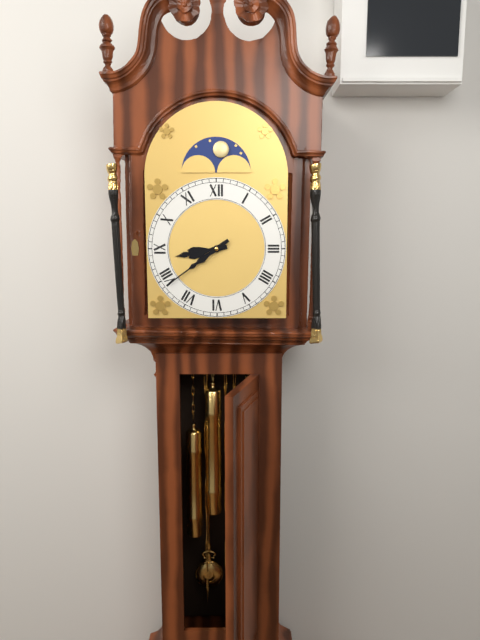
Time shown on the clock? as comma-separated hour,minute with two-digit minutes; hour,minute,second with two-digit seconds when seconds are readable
8,39
